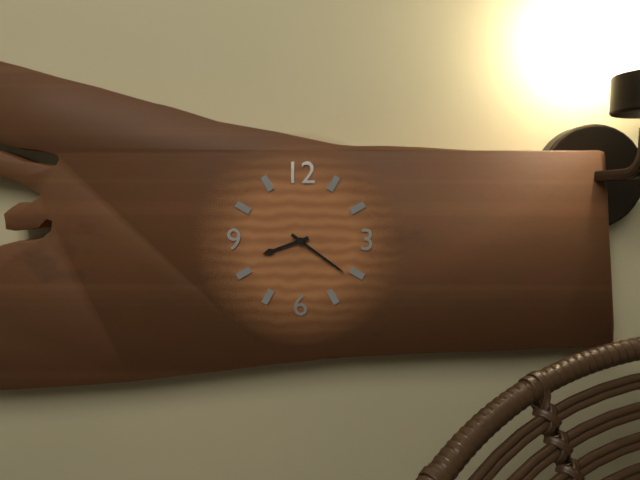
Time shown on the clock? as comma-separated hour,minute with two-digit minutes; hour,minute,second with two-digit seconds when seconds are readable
8,21
